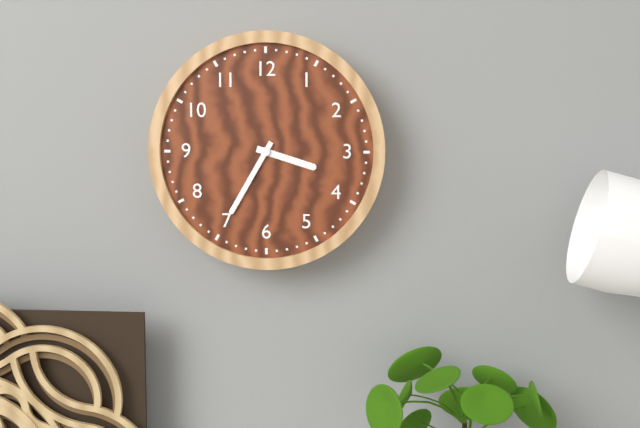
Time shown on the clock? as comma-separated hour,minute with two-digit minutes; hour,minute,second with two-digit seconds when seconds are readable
3,35
